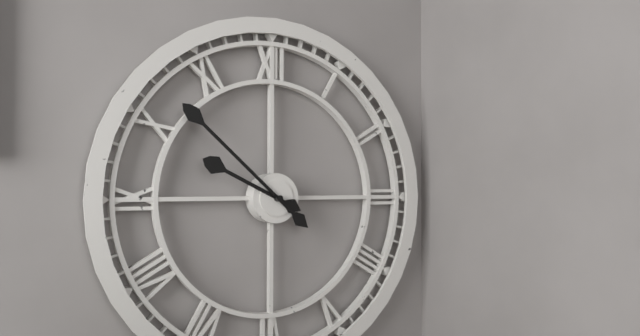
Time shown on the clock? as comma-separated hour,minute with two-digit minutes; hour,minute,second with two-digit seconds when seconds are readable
9,52
